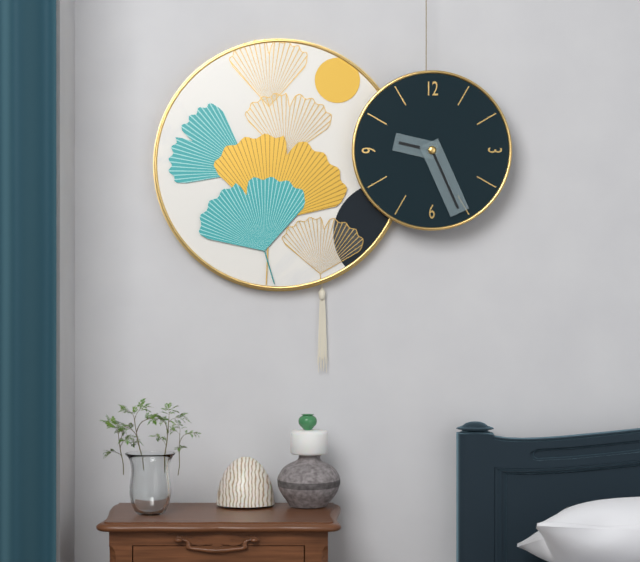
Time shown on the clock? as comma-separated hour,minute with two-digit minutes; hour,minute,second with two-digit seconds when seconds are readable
9,26
